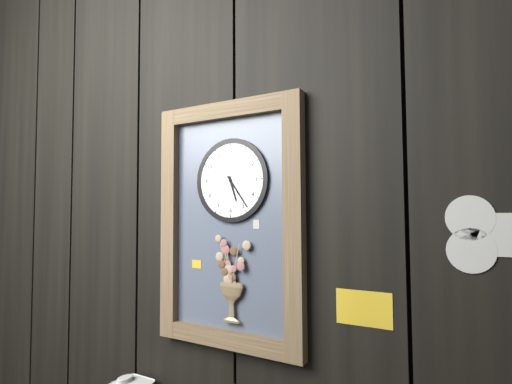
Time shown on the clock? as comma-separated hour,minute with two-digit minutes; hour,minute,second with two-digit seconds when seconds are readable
5,24
